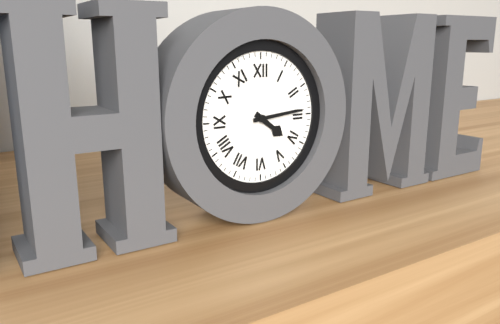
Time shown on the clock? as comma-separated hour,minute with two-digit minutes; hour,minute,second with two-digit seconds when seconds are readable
4,14
